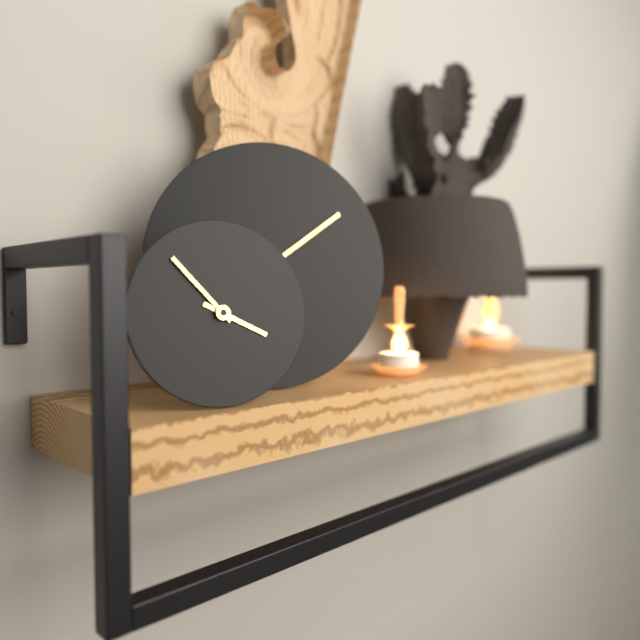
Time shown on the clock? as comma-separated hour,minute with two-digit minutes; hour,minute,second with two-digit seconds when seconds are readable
3,53
